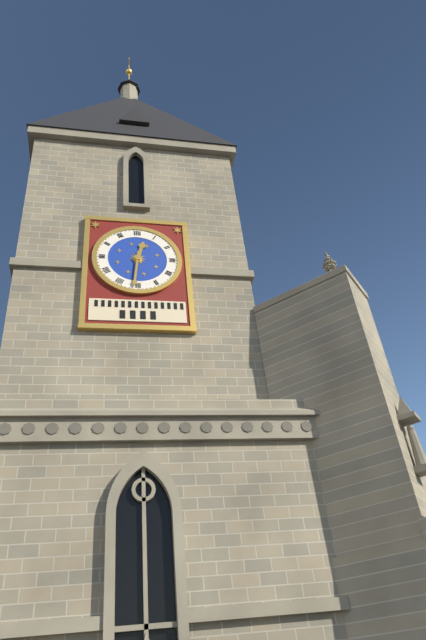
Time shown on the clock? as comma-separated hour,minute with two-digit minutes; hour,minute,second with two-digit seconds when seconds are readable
12,31
